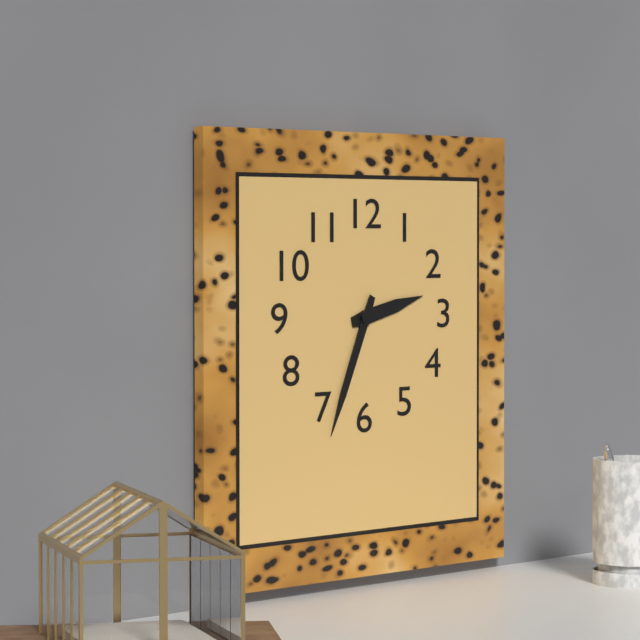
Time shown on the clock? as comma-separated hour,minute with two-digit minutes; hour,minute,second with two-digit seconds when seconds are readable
2,34
